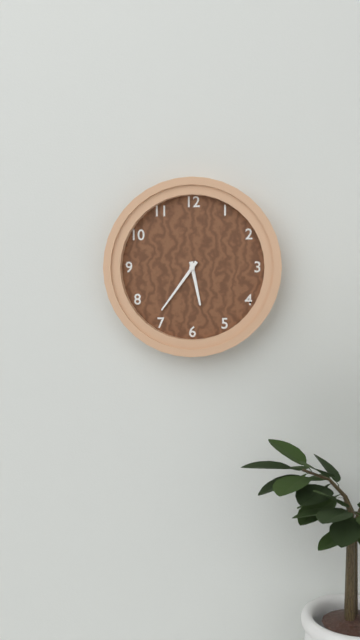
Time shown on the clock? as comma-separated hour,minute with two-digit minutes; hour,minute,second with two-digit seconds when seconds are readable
5,36
